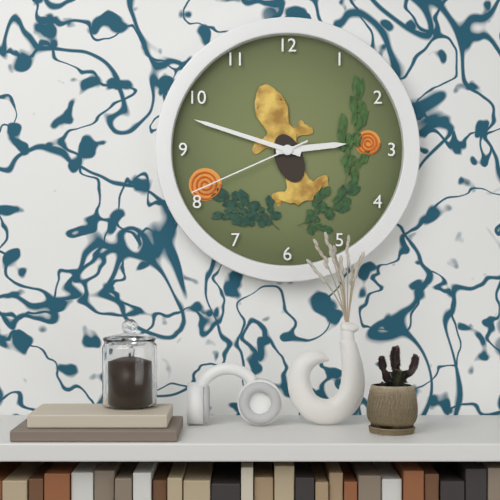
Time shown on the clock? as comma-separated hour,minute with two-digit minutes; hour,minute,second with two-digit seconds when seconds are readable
2,48,41
